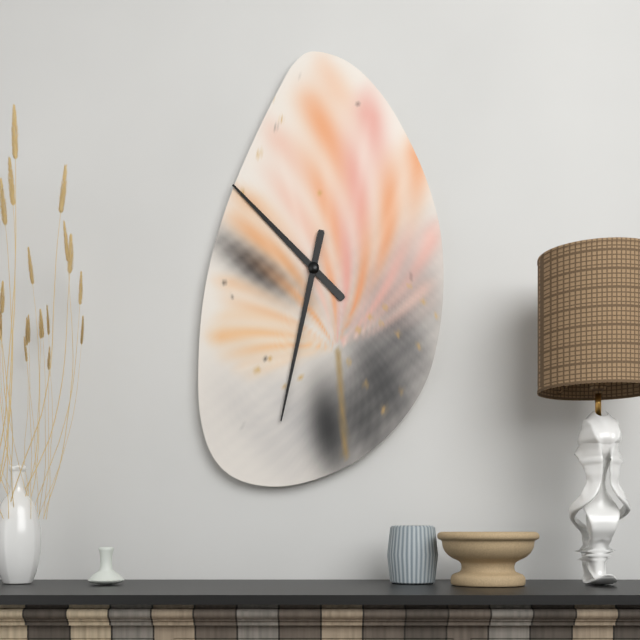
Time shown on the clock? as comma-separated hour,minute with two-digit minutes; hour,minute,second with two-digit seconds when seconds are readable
10,32
